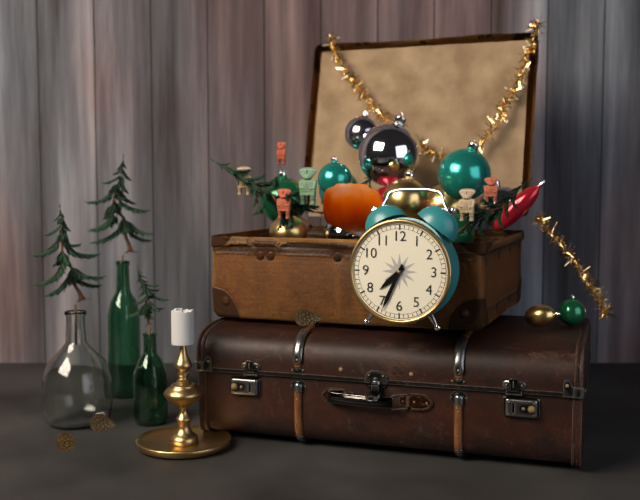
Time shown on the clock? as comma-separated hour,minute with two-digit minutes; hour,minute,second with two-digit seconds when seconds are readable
7,34
